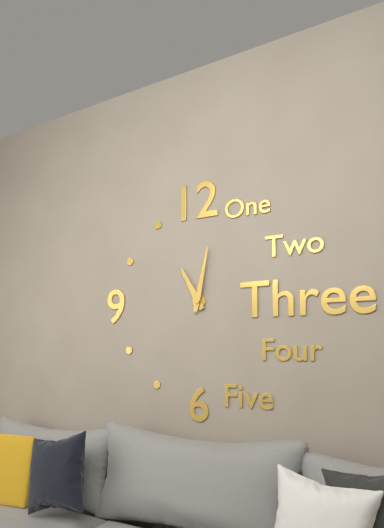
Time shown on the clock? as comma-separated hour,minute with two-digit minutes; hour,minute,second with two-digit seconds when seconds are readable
11,02
